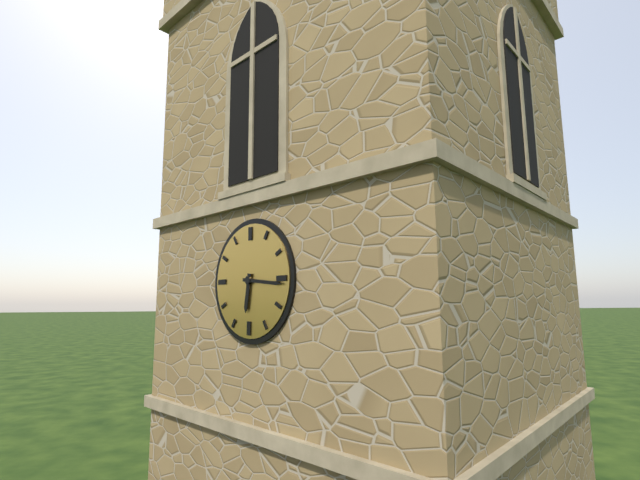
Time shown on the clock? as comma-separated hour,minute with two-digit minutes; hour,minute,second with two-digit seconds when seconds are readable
6,16
